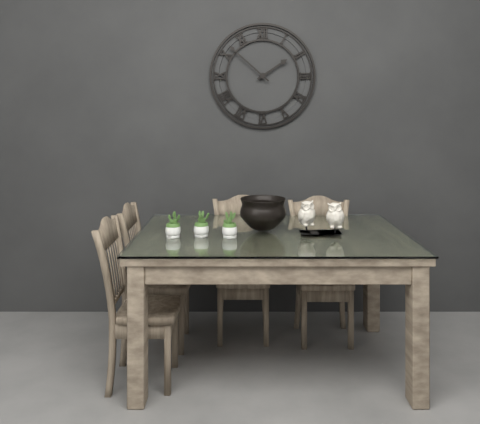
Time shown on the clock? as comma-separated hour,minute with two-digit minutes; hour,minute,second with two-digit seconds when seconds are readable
1,52
